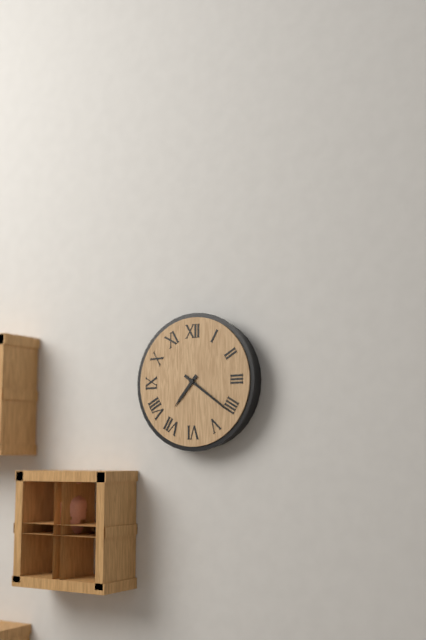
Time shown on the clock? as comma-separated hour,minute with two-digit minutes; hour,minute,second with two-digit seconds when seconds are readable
7,21
